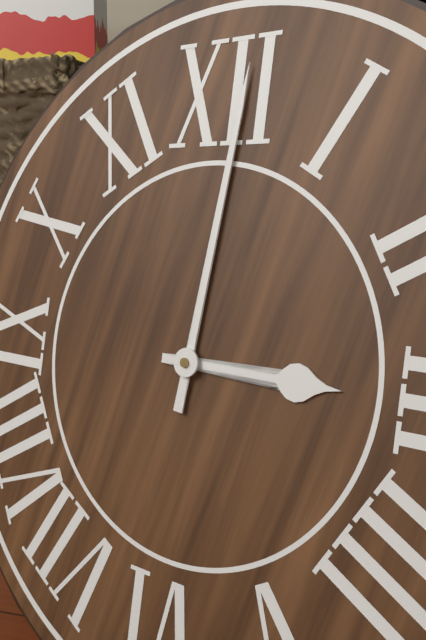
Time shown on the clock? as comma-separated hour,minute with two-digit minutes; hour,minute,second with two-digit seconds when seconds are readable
3,01
